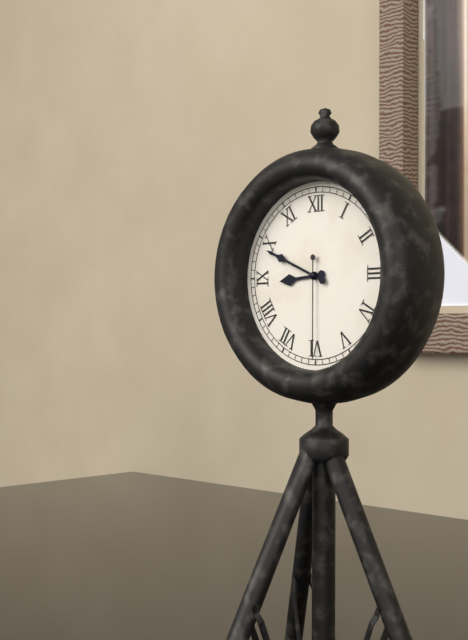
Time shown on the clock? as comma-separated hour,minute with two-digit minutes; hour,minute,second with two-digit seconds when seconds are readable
8,49,30
